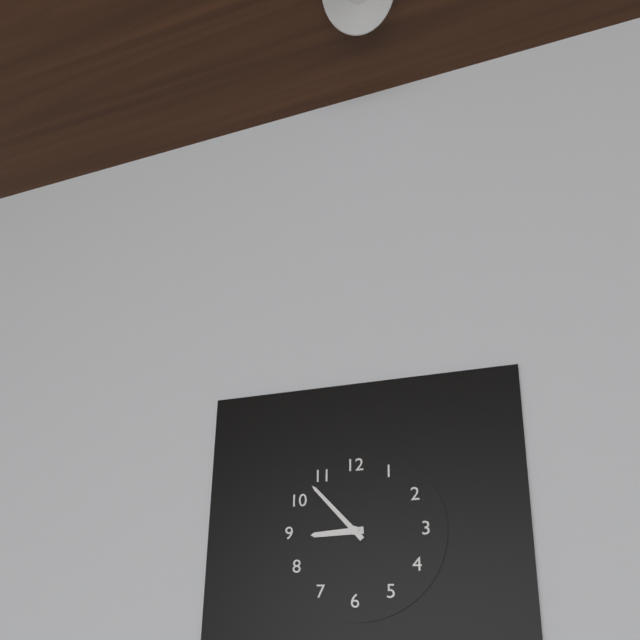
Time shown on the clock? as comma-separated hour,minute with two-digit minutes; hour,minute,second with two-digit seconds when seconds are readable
8,53
